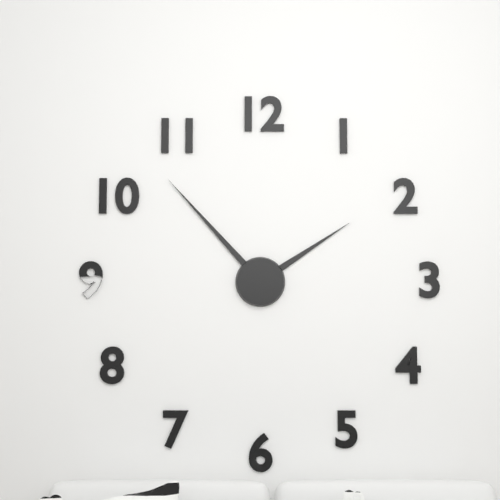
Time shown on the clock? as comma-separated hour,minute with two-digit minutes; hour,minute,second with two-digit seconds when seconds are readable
1,53
